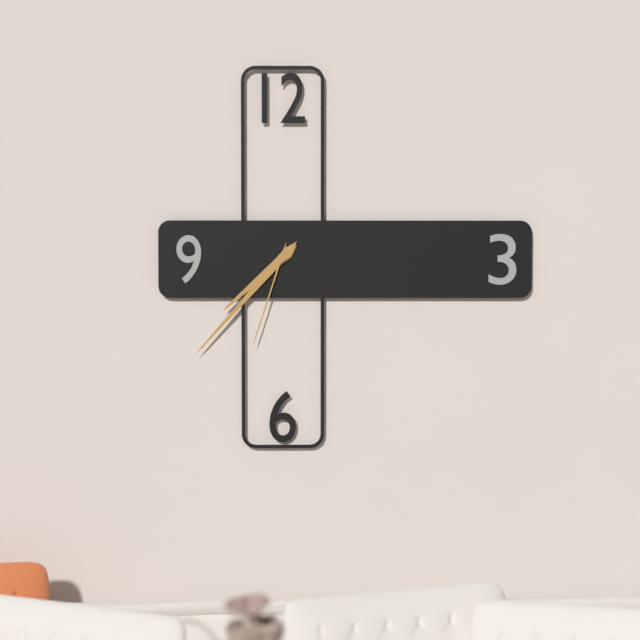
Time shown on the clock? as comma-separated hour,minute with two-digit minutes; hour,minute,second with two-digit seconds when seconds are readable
7,37,33
